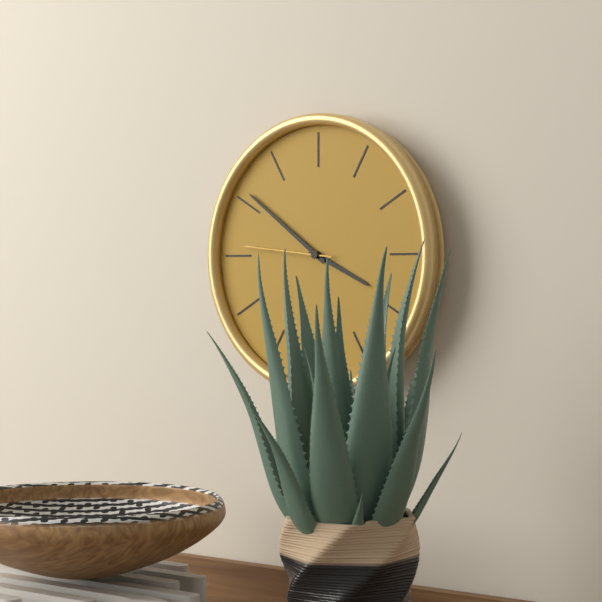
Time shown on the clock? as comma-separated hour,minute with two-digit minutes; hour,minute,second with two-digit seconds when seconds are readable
3,51,46
